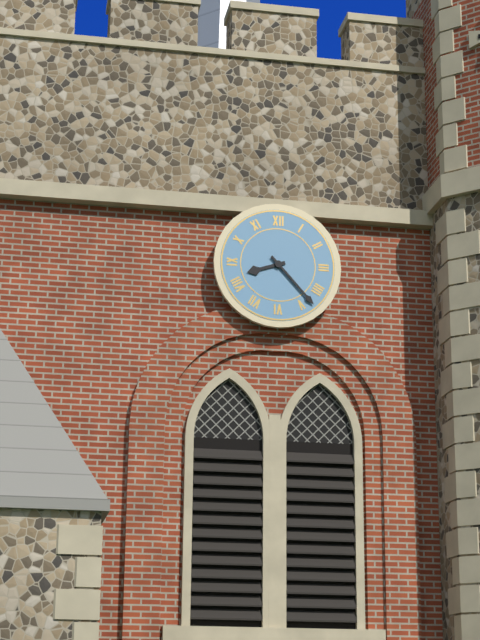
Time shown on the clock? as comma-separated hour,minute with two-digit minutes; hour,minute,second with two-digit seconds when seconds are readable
8,23
